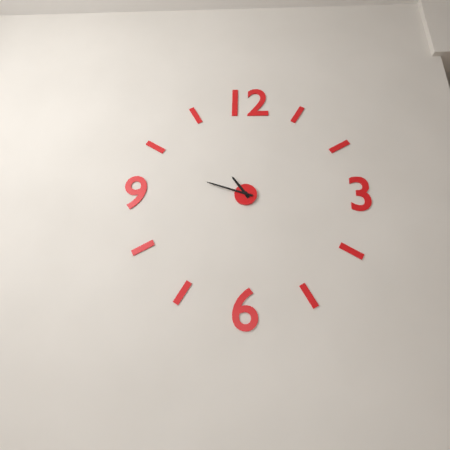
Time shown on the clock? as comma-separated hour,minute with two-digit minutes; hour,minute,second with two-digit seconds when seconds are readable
10,48
